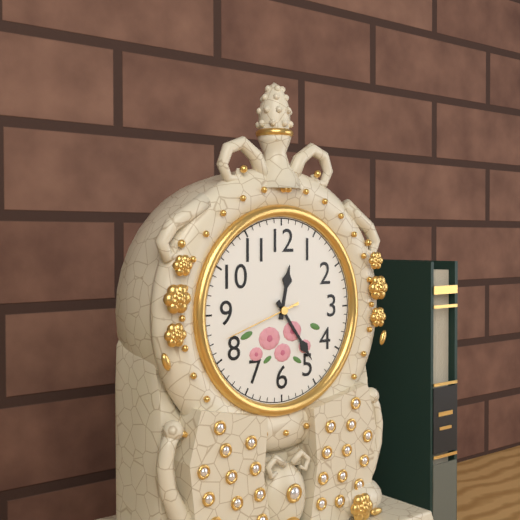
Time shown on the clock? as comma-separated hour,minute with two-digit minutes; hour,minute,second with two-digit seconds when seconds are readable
12,24,42
